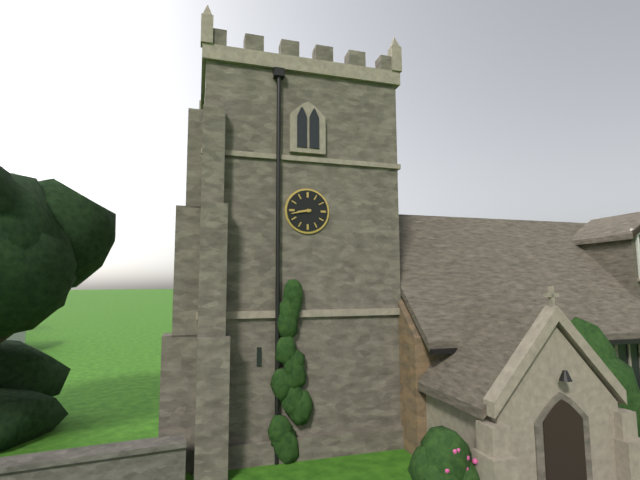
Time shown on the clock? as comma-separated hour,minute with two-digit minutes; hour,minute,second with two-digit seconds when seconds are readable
8,43
